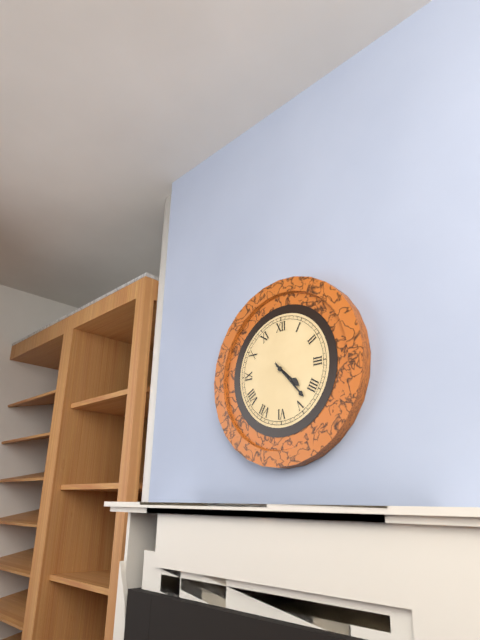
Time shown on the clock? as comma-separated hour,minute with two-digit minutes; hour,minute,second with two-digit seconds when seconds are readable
4,23
